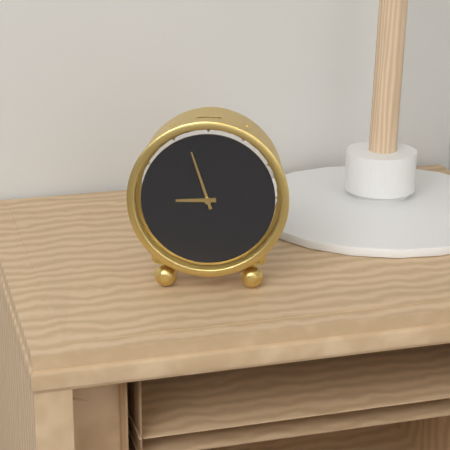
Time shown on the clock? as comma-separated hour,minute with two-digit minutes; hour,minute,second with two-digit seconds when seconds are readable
8,57
